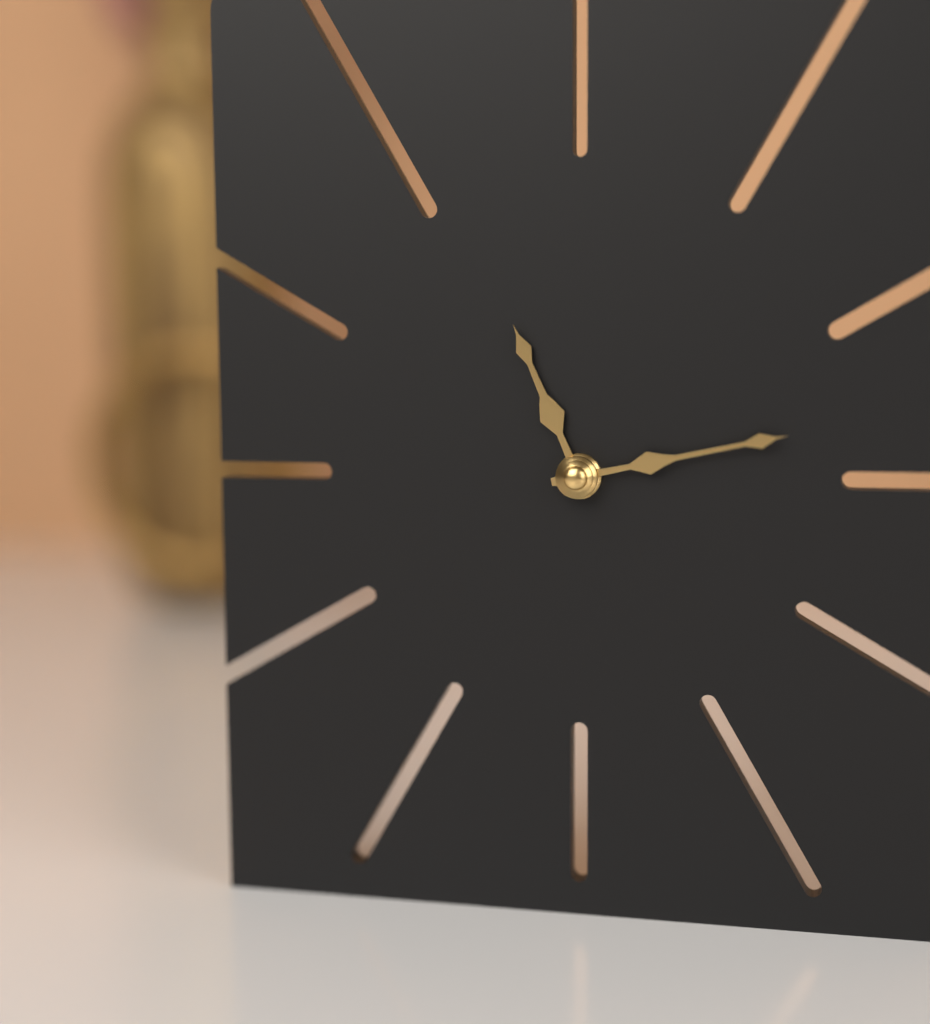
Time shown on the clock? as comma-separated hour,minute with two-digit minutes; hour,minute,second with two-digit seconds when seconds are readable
11,13
